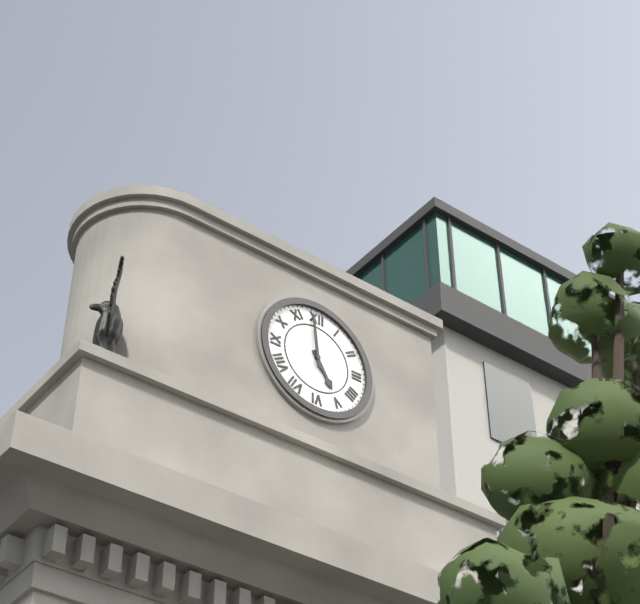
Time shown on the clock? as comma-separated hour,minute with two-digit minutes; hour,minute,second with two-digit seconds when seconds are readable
4,59
